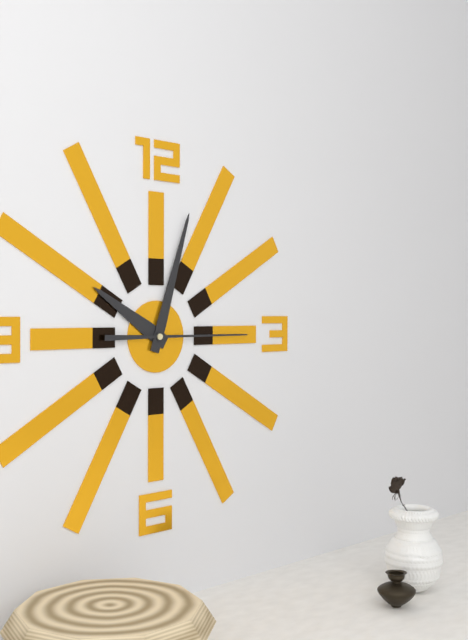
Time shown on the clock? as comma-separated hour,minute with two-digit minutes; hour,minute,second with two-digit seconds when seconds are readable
10,03,15
